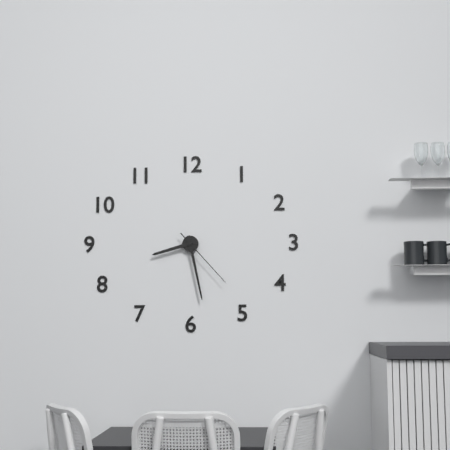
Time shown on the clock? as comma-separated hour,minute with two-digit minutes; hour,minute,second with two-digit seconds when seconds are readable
8,28,23
